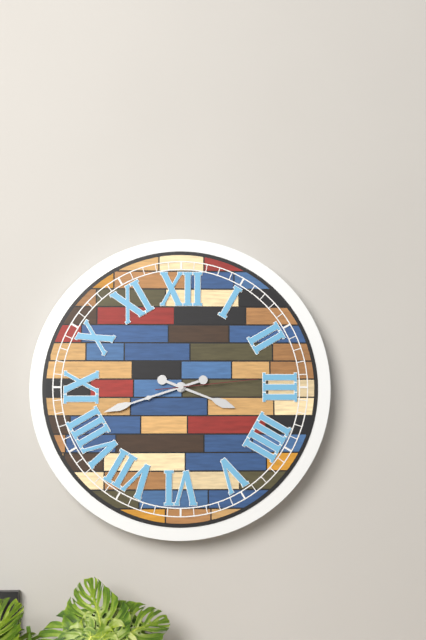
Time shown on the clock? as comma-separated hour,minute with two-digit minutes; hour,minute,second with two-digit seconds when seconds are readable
3,42,14
